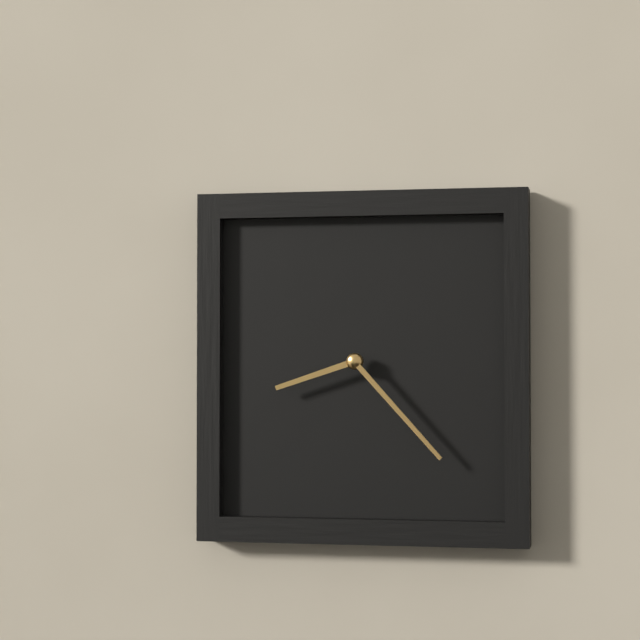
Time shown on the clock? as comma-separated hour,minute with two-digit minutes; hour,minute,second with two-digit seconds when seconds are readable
8,23
